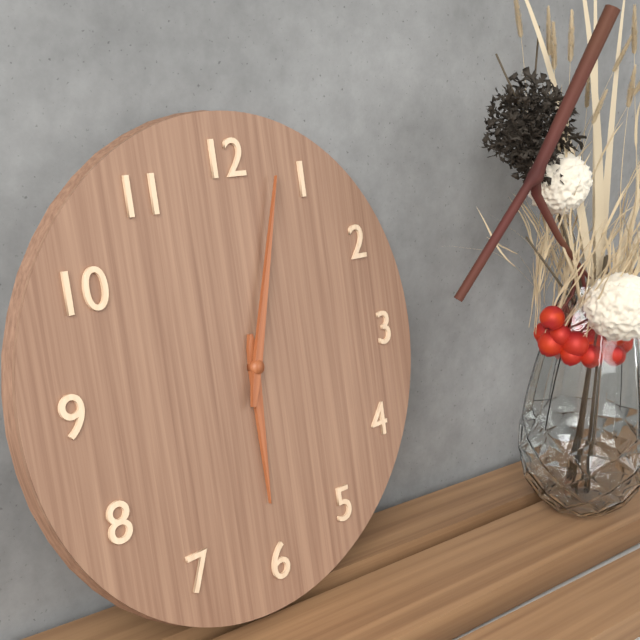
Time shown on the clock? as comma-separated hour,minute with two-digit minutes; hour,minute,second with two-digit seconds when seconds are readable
6,03
